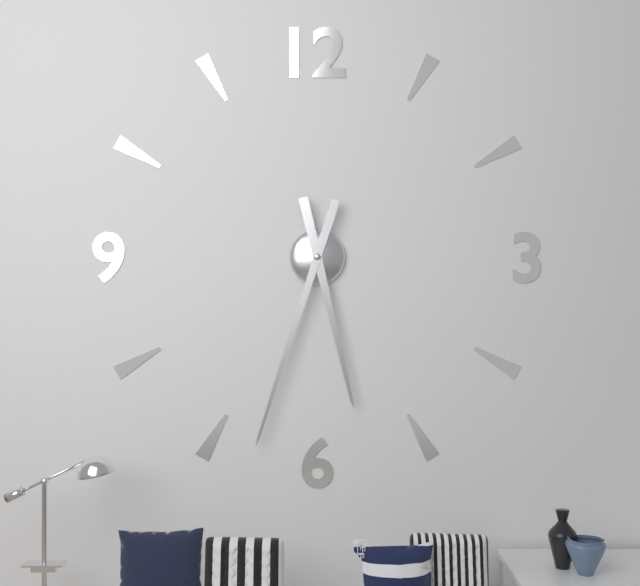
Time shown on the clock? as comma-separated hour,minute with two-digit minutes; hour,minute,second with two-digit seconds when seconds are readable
5,33
